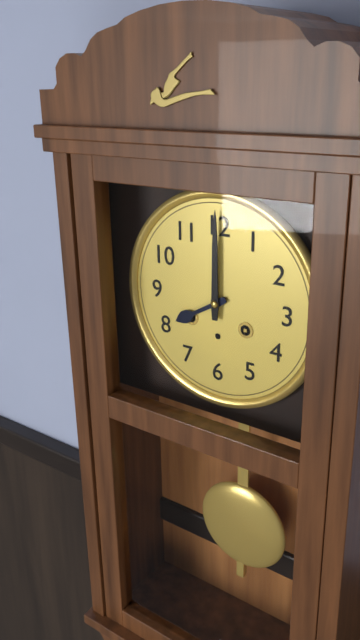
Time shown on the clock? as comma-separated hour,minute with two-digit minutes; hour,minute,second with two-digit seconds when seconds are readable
8,00
